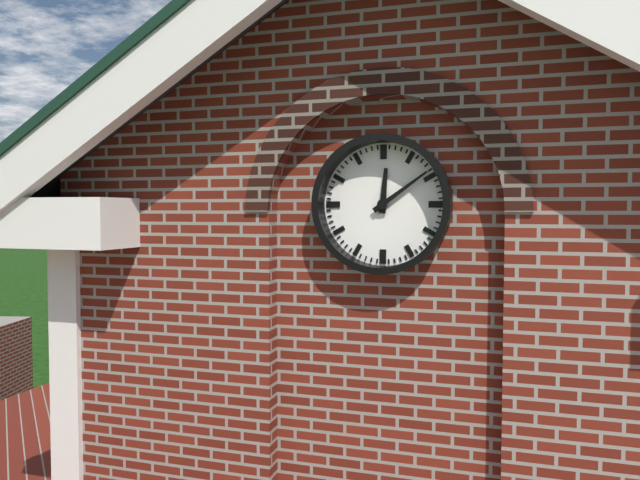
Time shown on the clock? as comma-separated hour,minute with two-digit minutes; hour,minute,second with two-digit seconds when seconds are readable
12,09
